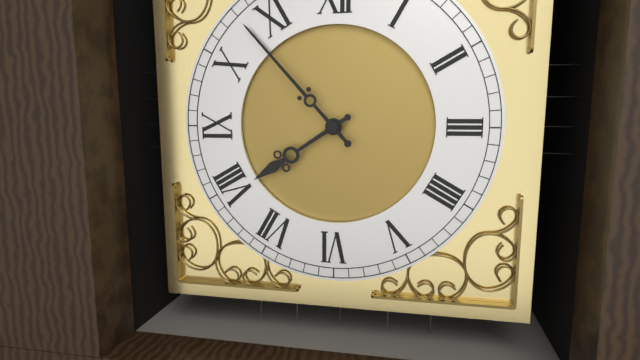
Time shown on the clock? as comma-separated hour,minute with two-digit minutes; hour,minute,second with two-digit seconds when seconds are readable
7,53
